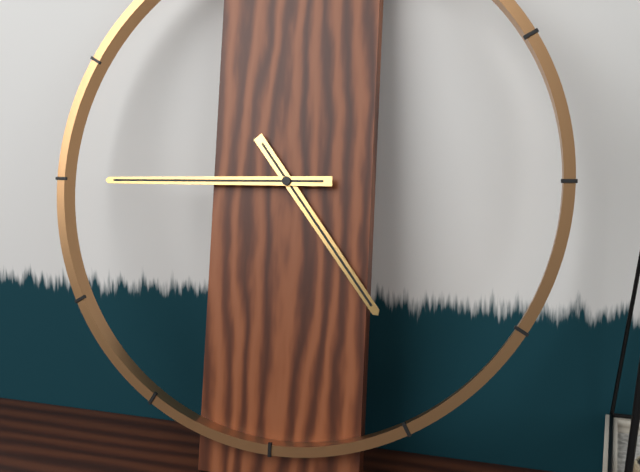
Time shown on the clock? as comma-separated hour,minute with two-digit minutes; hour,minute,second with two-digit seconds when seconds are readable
4,45
